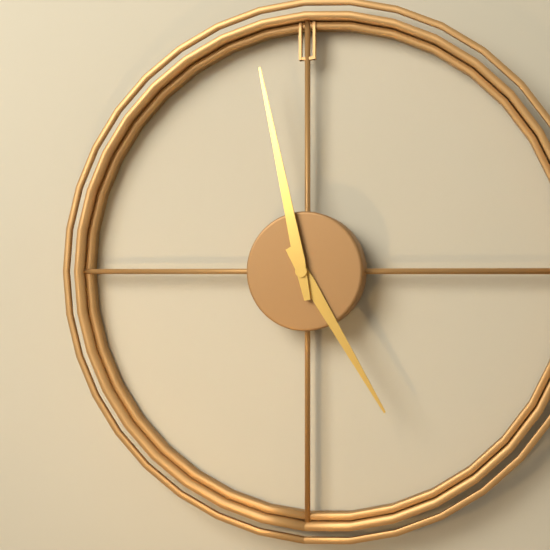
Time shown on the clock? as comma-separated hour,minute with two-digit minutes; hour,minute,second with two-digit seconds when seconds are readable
4,58
